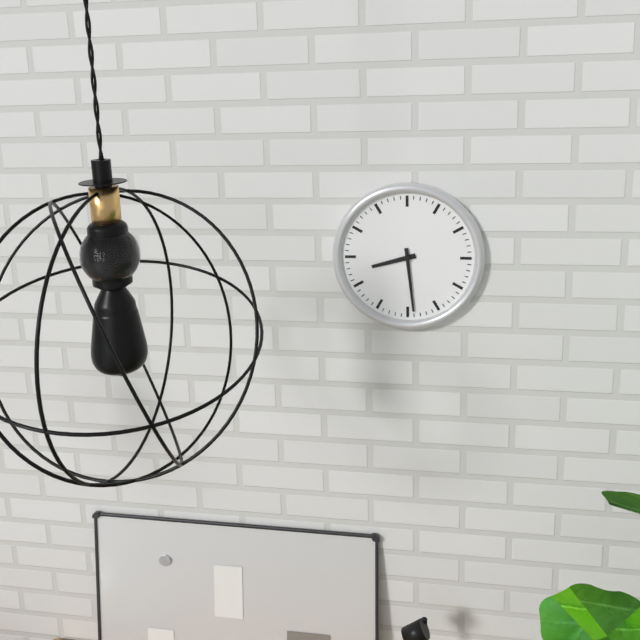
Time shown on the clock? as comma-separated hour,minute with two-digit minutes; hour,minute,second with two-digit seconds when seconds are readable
8,29
